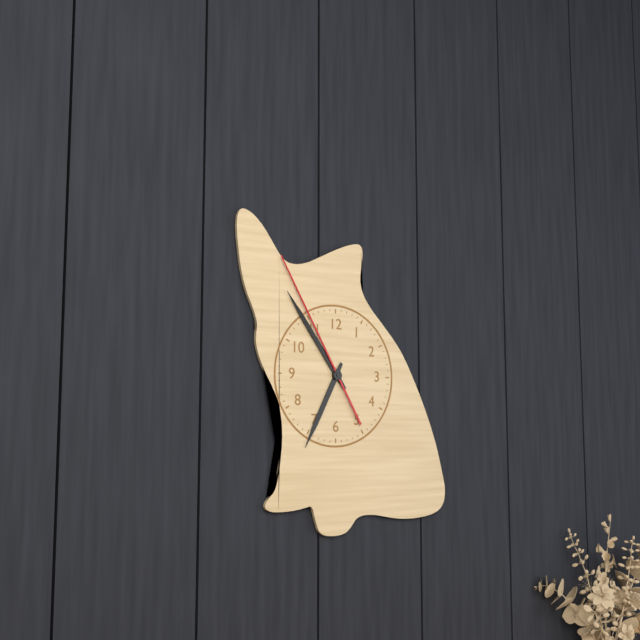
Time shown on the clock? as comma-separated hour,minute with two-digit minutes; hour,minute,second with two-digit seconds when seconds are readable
6,54,55
